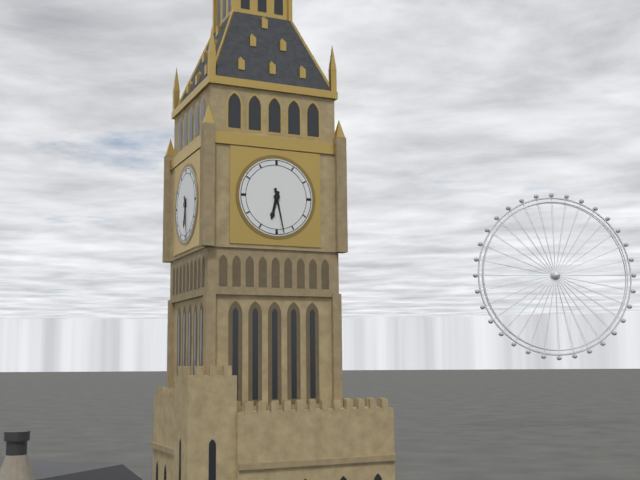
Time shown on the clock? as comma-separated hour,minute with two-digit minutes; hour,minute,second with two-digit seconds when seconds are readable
6,28
